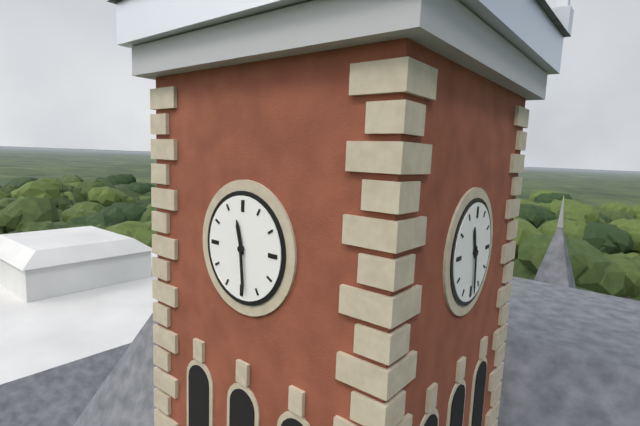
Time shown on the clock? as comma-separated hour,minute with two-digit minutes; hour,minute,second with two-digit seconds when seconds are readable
11,29
